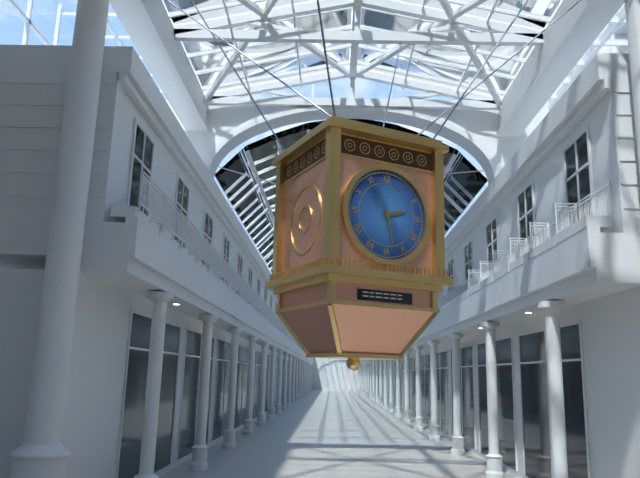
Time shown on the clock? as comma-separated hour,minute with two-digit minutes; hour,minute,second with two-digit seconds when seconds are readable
2,28
